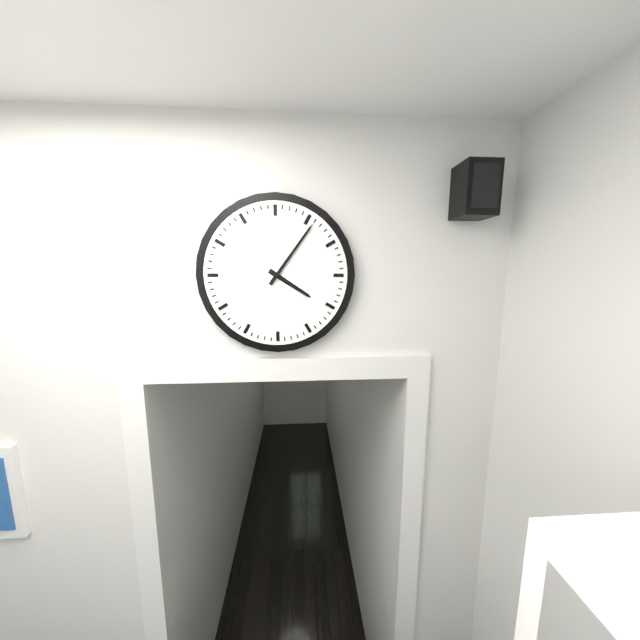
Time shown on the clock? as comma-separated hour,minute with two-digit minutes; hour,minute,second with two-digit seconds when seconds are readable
4,06
